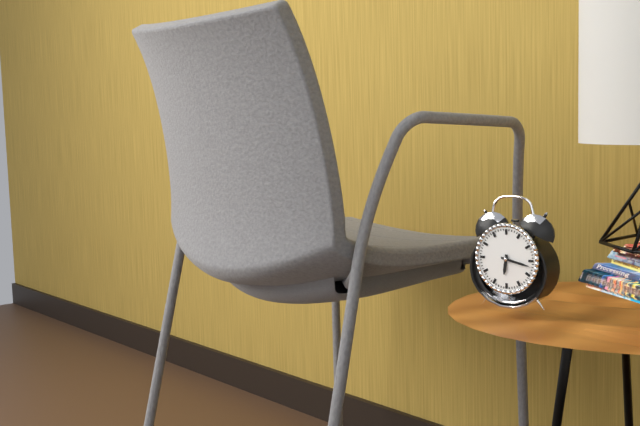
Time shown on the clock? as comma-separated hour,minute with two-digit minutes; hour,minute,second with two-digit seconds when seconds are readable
6,17
